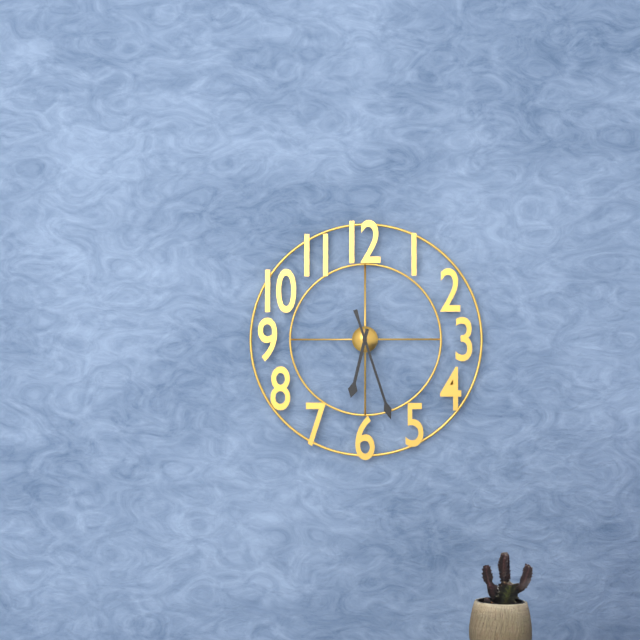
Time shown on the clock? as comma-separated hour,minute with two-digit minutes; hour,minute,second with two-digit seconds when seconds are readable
6,27
